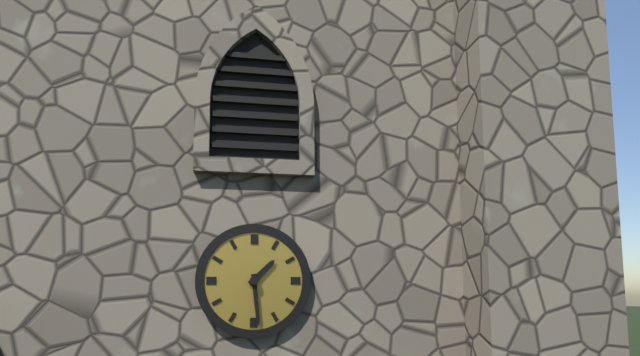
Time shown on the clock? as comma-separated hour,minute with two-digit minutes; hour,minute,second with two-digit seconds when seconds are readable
1,29
